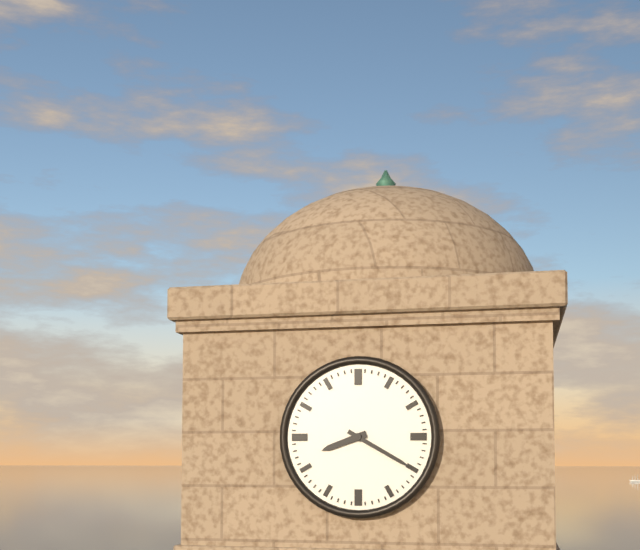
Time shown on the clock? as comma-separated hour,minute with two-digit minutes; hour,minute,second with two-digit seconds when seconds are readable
8,20
